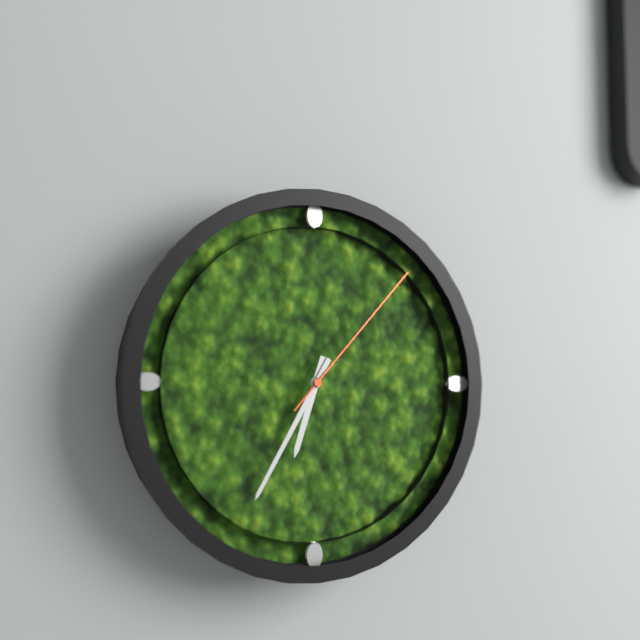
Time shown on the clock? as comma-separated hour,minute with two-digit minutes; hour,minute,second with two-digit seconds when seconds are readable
6,35,07
